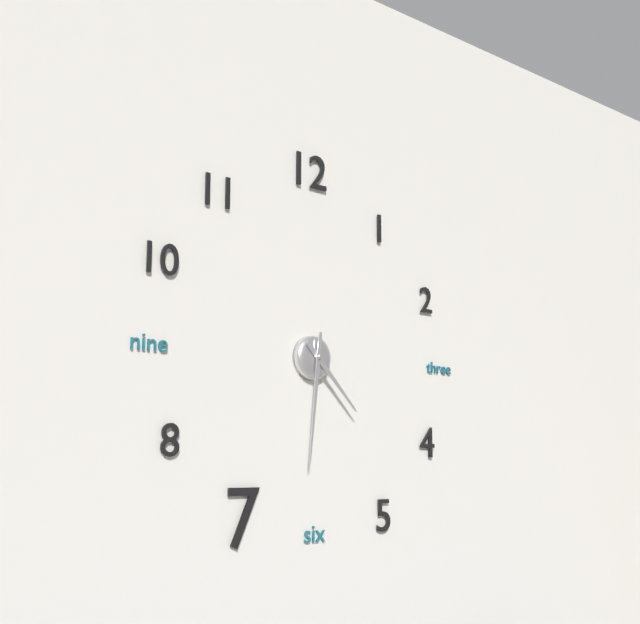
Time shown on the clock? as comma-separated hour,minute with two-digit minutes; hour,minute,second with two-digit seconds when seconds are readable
4,31
